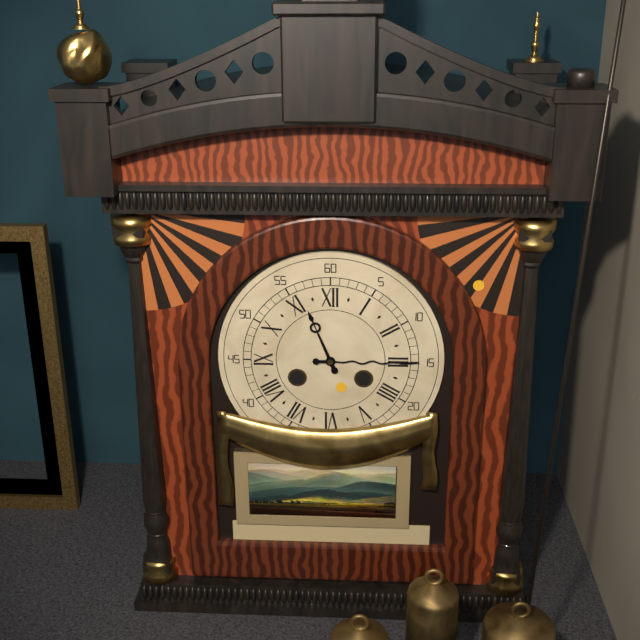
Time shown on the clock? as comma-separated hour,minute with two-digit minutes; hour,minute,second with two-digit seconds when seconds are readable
11,15
